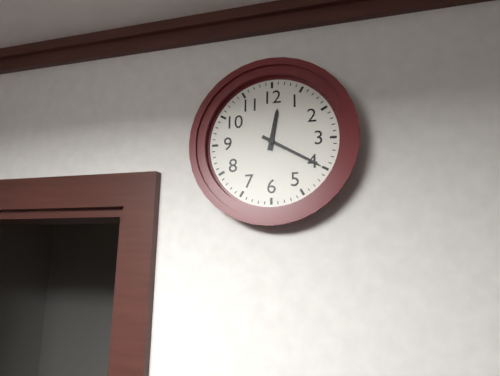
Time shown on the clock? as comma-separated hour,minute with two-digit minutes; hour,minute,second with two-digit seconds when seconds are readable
12,20
